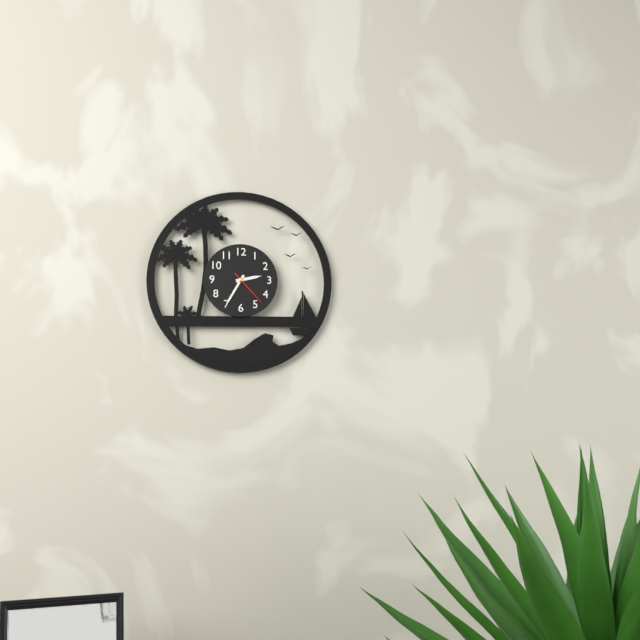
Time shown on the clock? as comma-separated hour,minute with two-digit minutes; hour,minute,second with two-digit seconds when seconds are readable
2,35
